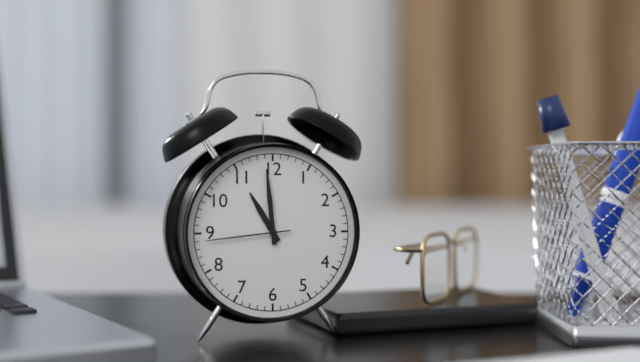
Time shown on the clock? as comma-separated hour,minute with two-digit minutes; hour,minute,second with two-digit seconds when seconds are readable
10,59,44
